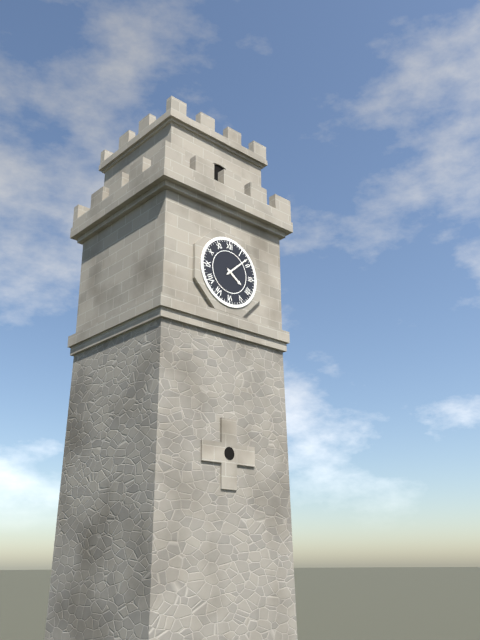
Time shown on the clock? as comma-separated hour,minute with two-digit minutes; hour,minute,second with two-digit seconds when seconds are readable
4,08
